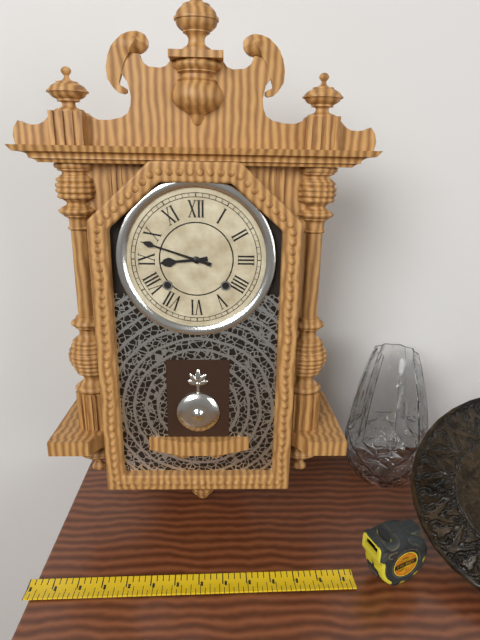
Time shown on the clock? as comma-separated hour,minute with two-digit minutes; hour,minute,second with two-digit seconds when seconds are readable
8,48
